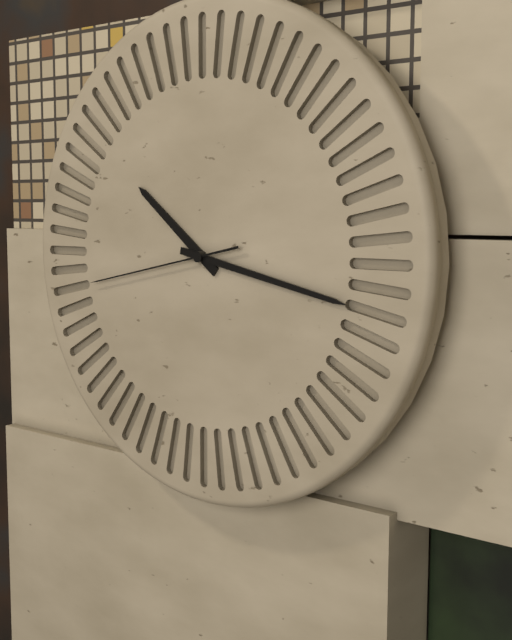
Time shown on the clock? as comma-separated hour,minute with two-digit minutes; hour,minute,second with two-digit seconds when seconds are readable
10,17,43
